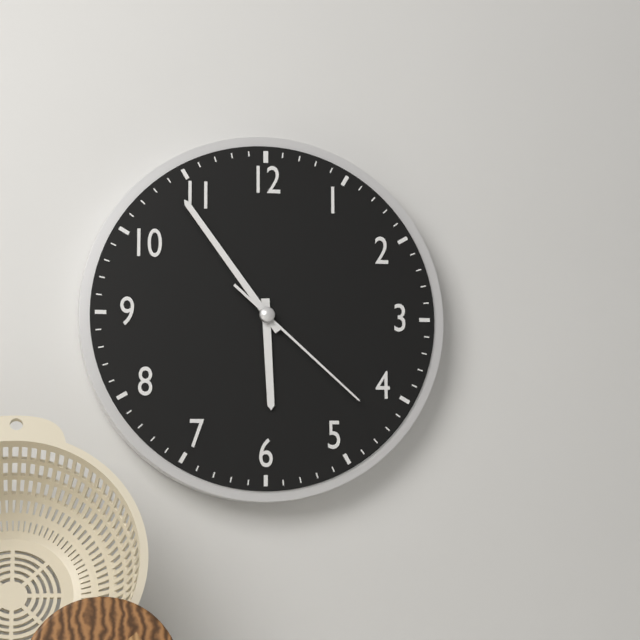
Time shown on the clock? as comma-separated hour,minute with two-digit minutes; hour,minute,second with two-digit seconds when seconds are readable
5,54,22
